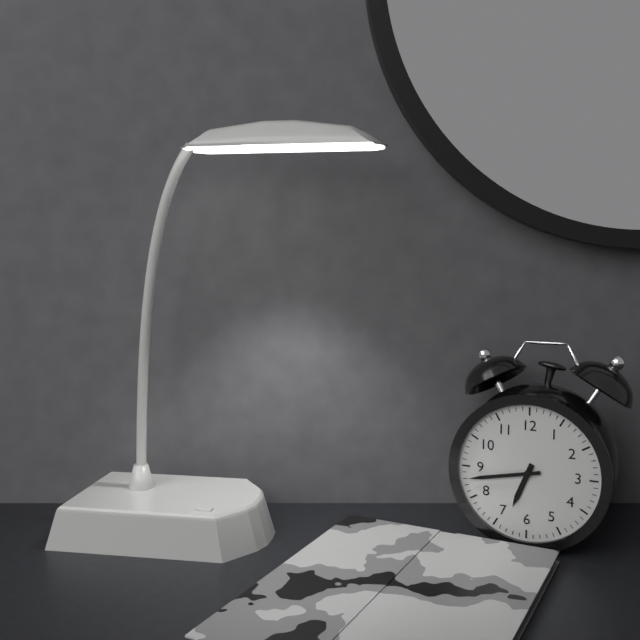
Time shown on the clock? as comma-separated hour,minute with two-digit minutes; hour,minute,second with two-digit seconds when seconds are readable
6,43
